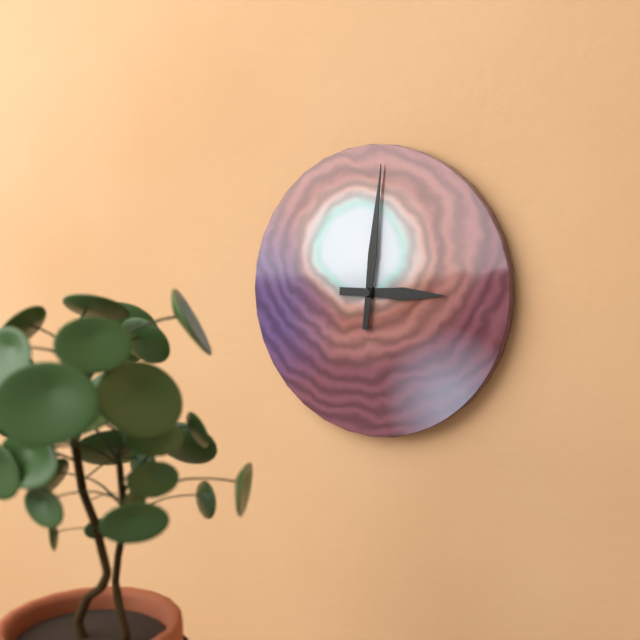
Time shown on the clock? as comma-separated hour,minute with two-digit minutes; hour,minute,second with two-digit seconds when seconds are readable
3,01
